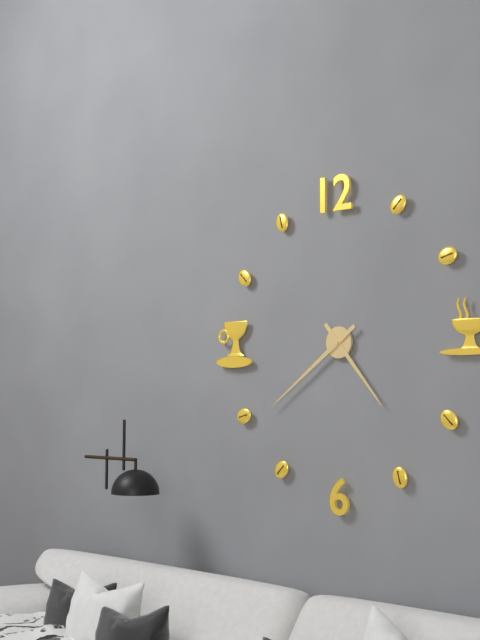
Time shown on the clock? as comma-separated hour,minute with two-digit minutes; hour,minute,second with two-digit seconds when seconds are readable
4,39
